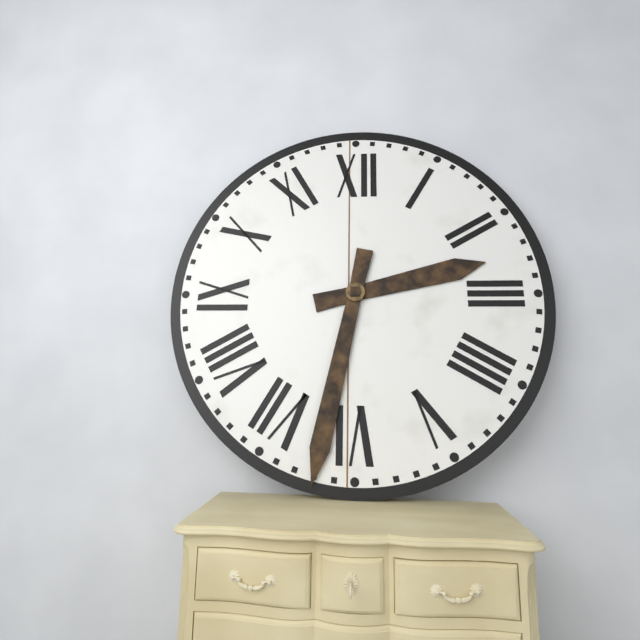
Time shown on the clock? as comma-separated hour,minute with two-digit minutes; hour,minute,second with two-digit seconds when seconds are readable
2,32
